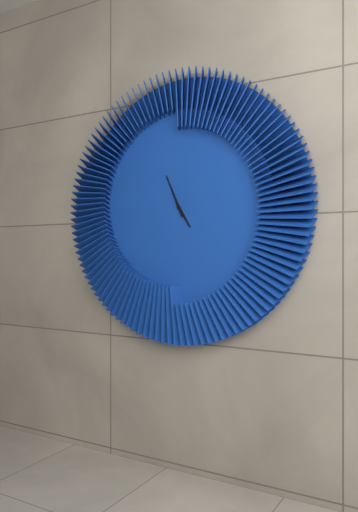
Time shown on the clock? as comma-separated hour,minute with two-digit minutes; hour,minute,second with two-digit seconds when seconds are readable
4,56
